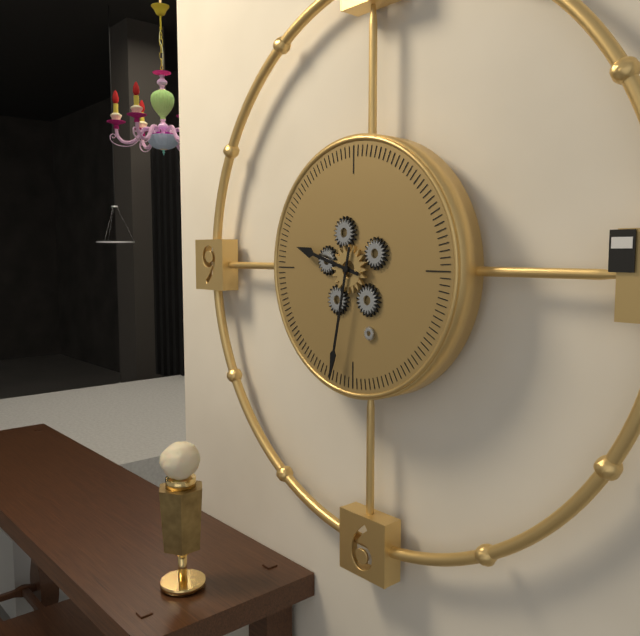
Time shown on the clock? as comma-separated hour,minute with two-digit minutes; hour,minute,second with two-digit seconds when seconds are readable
9,32
